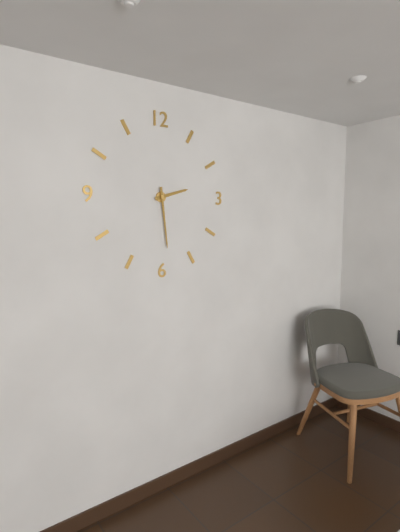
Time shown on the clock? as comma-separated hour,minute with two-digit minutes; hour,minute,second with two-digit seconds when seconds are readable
2,29
